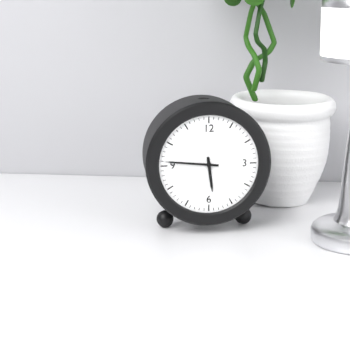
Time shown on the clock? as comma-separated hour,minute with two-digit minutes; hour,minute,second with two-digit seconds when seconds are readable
5,46
